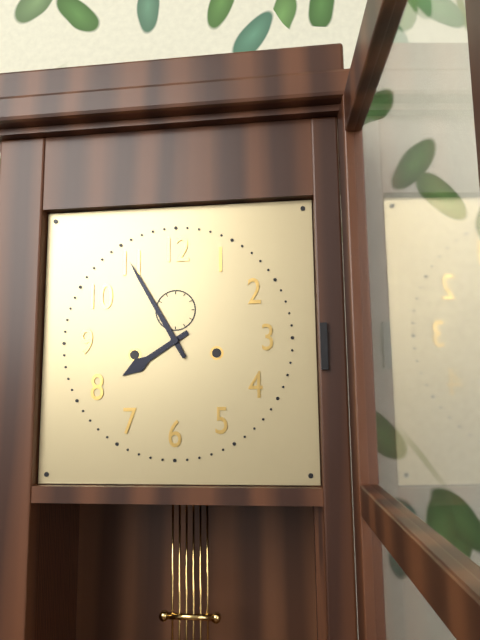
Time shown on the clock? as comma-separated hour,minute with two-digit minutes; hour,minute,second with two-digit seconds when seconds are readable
7,55
